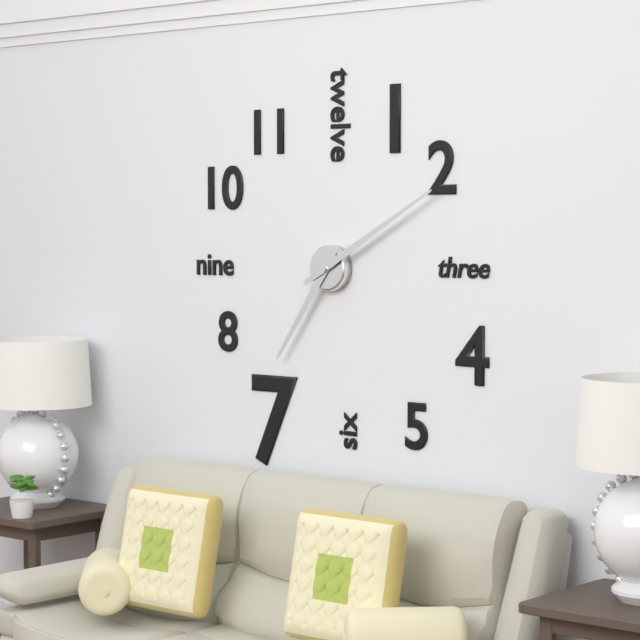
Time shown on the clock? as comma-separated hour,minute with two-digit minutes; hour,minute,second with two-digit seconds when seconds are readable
7,10
